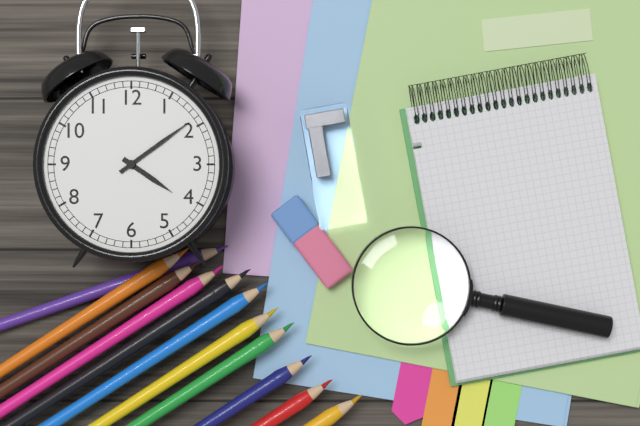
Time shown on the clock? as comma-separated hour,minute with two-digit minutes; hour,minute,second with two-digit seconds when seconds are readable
4,09
